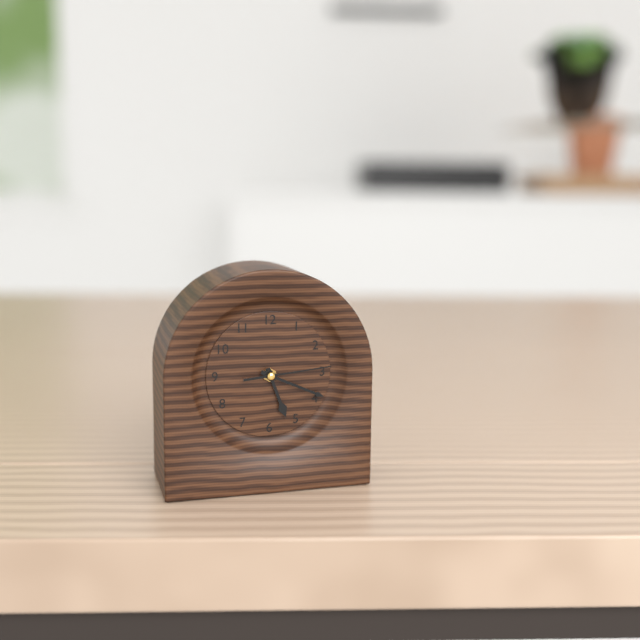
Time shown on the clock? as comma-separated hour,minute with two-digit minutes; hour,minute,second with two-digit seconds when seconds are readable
5,19,14
